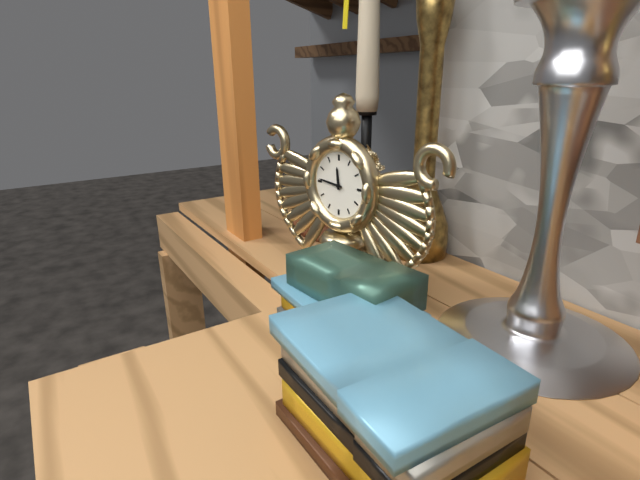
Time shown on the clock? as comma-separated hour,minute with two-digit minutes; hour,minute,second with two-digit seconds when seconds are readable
11,46
